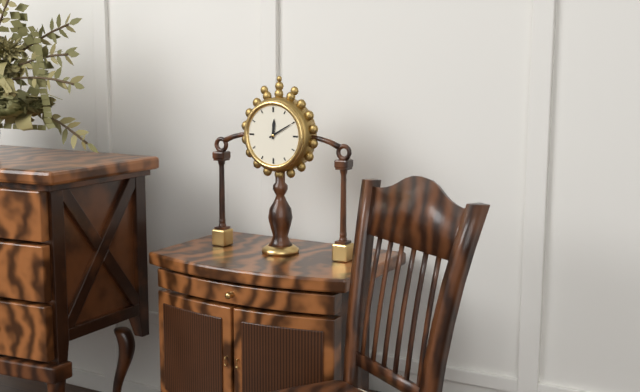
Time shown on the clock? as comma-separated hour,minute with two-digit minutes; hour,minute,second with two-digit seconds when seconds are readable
12,10
